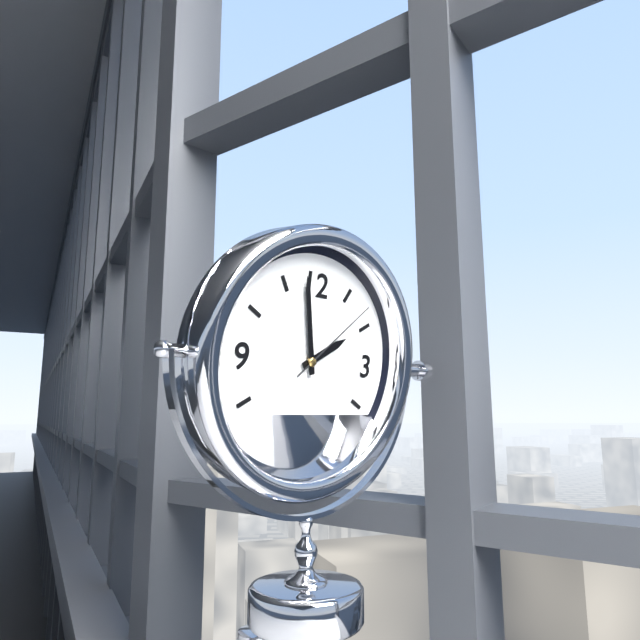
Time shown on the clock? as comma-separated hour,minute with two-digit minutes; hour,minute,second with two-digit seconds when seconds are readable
1,58,08
